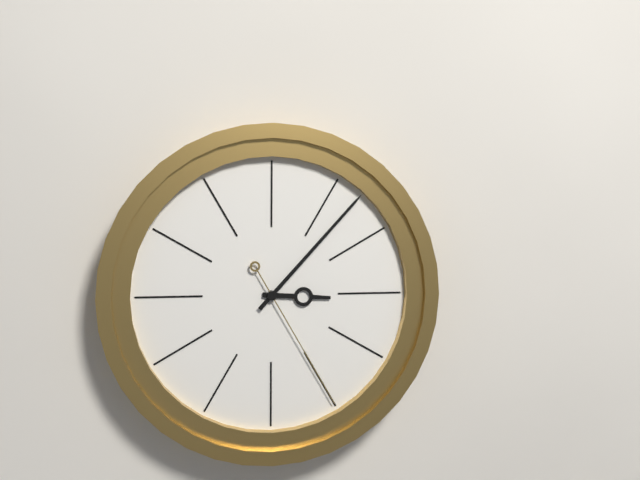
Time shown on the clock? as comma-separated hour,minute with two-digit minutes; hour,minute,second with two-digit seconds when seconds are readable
3,07,25
